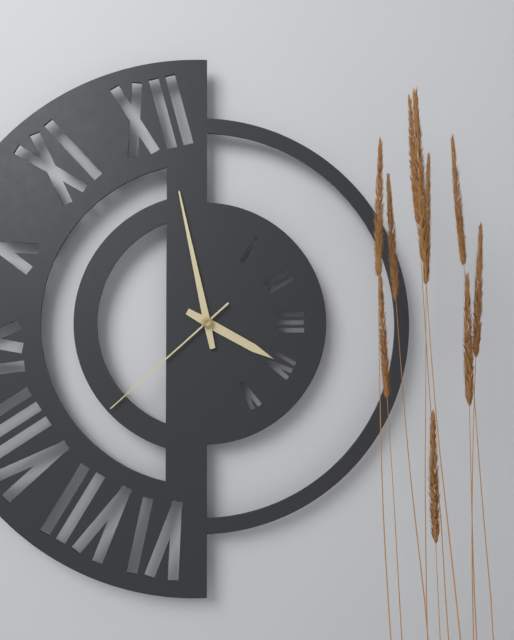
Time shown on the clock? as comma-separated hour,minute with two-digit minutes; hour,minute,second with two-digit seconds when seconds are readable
3,58,38
